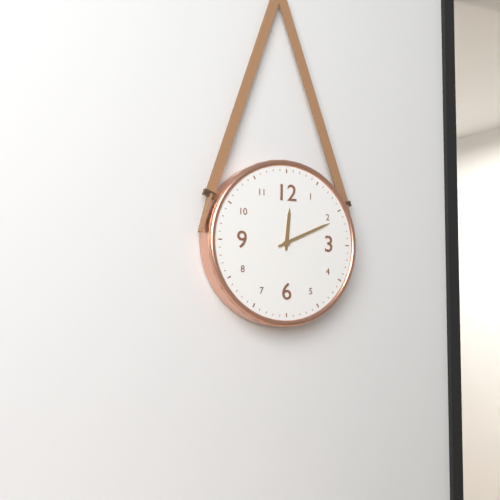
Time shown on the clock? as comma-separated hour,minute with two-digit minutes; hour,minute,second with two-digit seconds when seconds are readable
12,11
